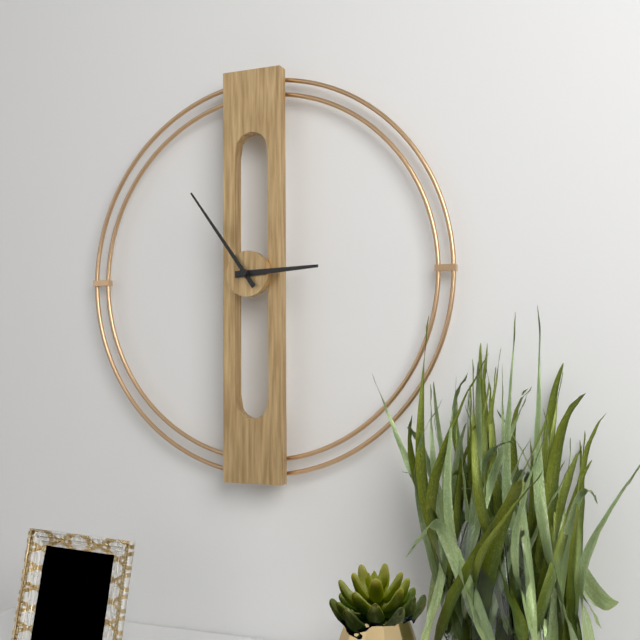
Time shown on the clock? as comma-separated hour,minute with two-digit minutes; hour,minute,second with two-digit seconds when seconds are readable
2,54
